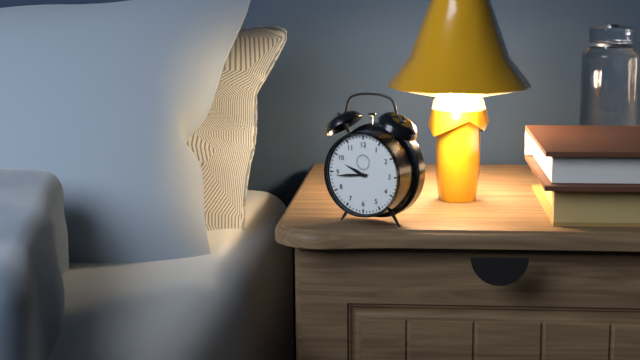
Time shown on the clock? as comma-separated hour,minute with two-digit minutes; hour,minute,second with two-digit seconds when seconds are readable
9,44
